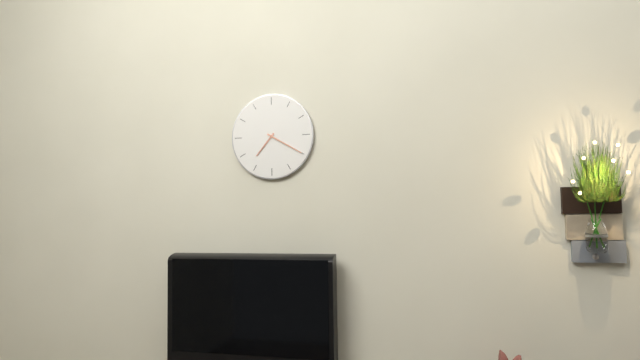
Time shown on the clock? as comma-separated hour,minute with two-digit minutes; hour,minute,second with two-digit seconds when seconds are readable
7,20
